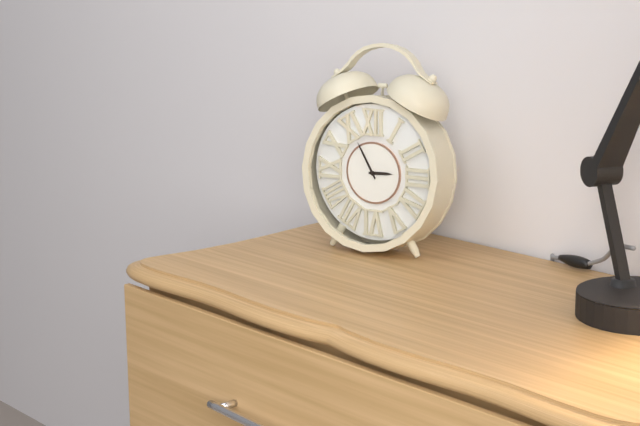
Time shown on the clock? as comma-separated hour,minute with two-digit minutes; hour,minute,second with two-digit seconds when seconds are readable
2,55
